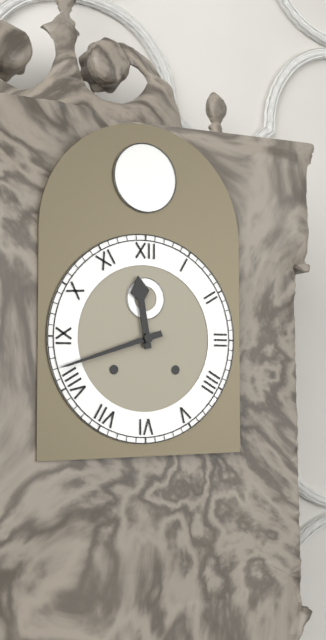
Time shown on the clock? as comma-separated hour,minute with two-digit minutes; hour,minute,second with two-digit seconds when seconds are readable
11,42
